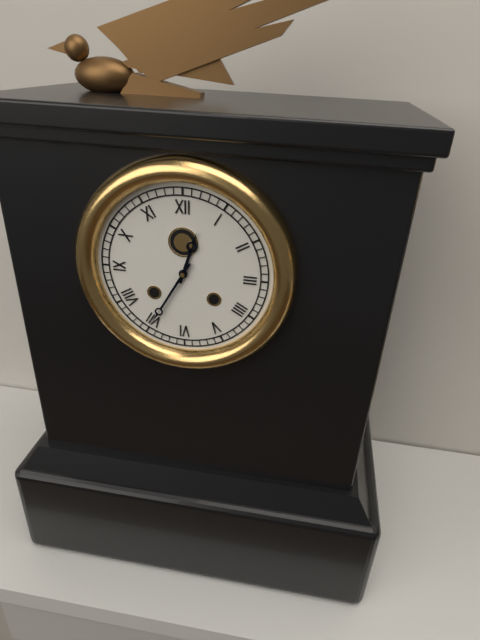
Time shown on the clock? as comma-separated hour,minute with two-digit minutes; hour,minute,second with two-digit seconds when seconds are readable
12,35
